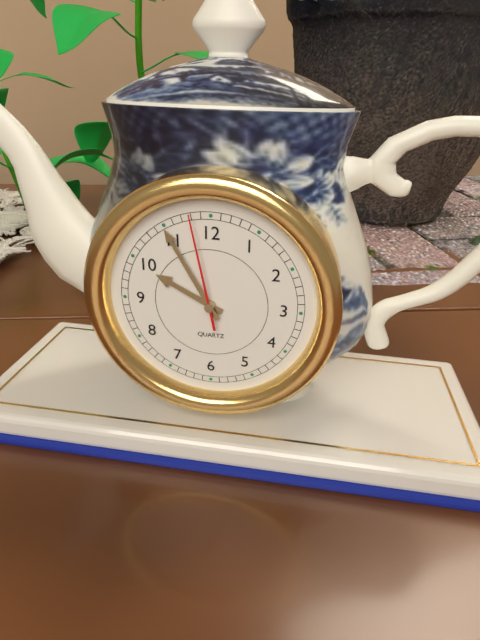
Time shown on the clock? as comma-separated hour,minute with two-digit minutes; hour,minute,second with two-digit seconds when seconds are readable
9,55,58
